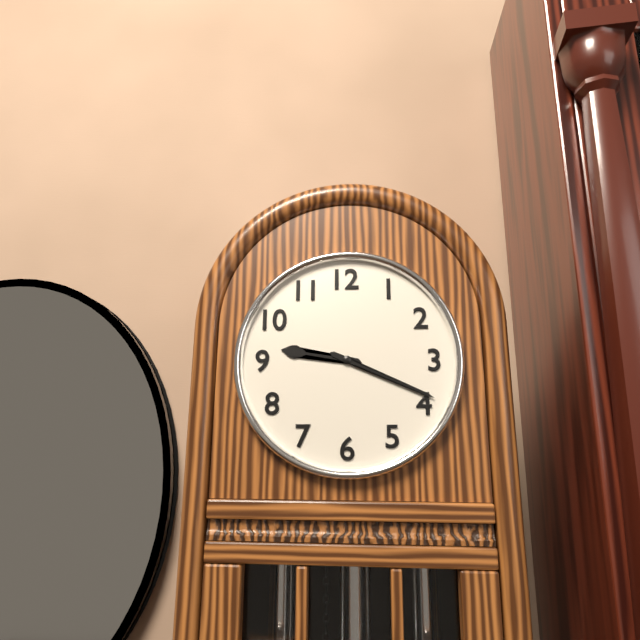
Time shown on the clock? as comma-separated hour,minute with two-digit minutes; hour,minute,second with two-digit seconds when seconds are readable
9,19
